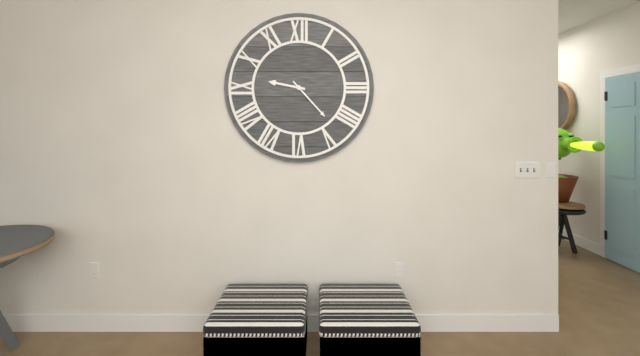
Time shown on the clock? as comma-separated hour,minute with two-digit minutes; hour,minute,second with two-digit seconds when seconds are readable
9,23
